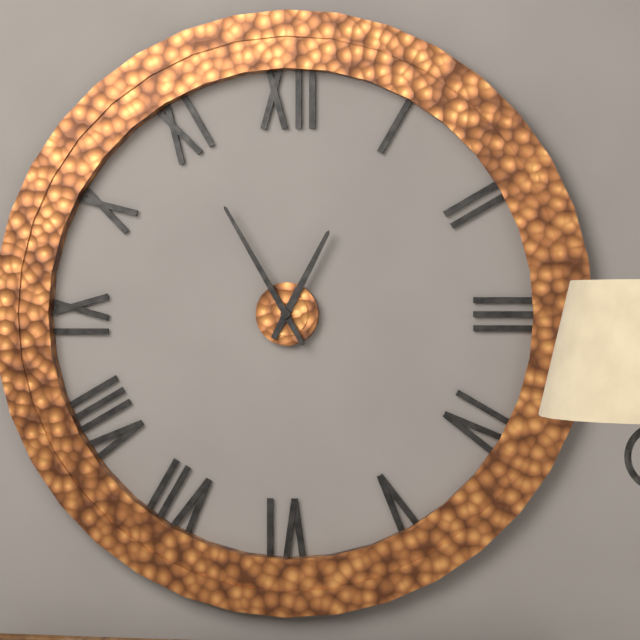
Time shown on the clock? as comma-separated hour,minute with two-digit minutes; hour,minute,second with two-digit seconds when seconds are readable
12,55
